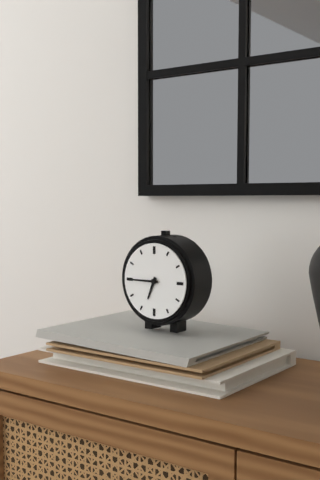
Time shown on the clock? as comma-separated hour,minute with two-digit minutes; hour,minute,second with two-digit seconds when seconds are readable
6,45
